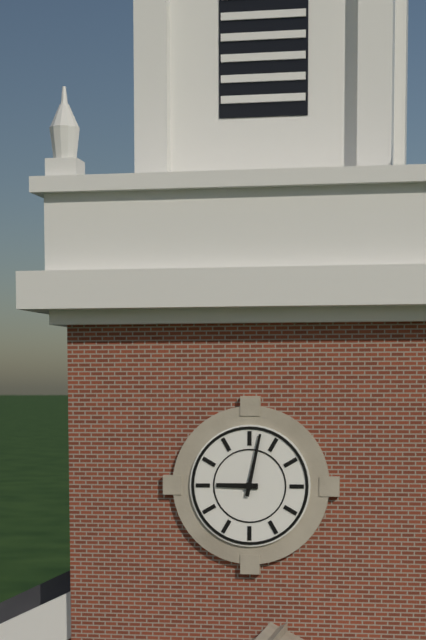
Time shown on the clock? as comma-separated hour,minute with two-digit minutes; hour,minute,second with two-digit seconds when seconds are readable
9,02
